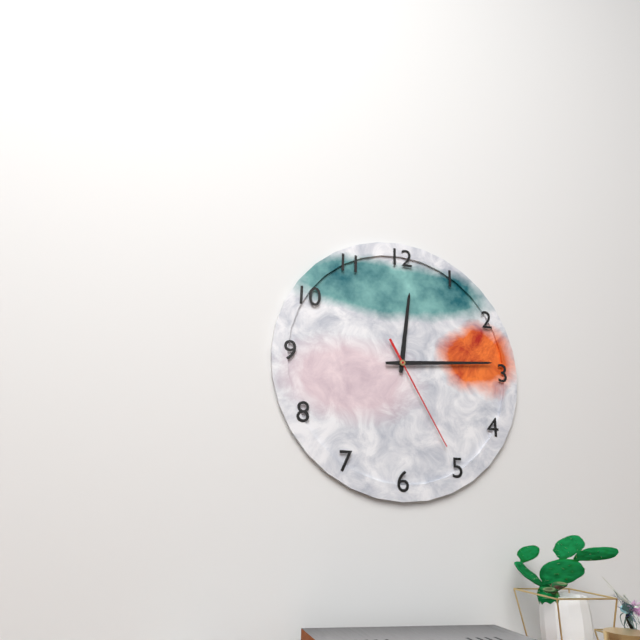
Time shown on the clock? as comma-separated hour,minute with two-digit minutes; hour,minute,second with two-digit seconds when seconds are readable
12,14,25
